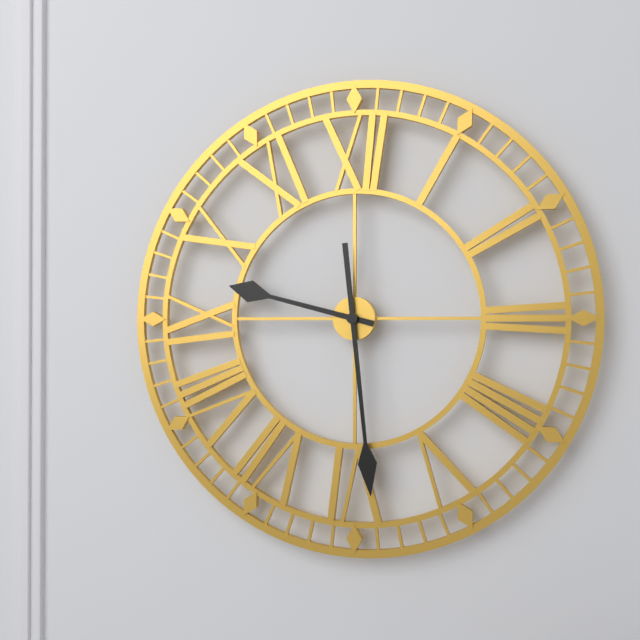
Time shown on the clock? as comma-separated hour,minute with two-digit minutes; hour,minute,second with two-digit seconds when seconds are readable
9,29
